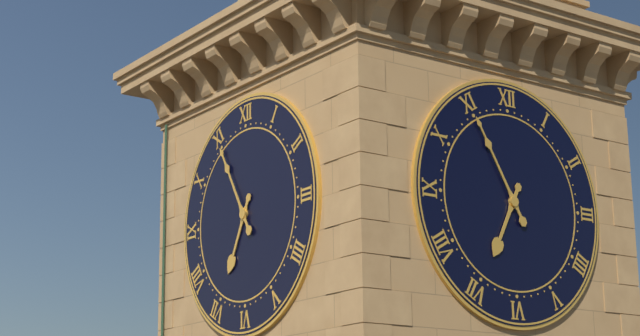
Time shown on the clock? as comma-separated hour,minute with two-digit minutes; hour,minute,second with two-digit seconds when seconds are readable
6,55
